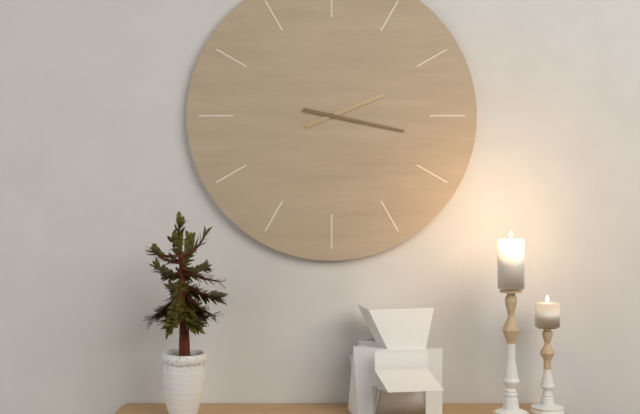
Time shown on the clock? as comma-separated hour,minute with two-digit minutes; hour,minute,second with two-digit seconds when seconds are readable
2,17
